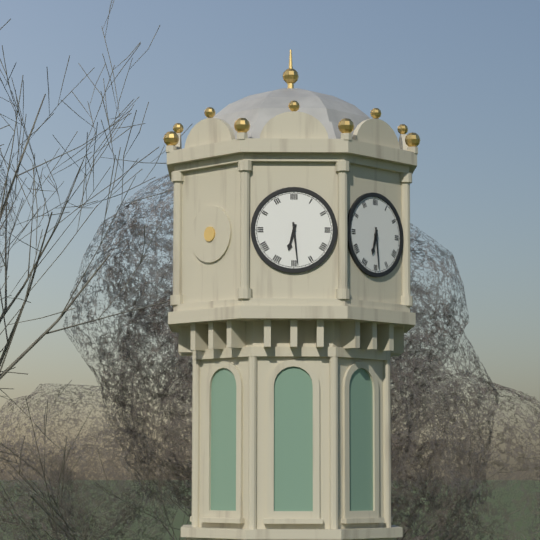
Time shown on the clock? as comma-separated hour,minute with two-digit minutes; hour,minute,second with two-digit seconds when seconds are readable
6,29
